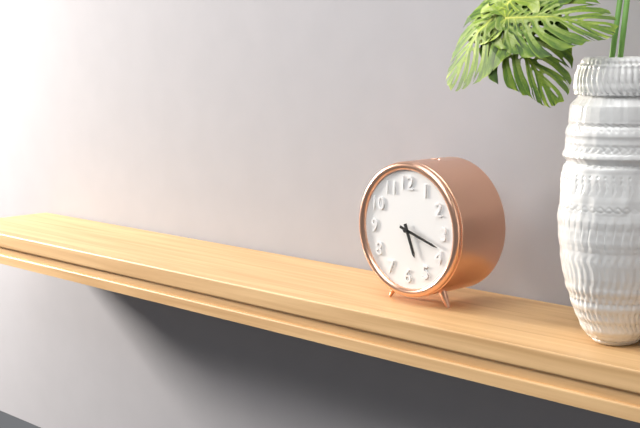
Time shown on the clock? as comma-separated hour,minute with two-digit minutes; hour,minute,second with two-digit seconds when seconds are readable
5,18
